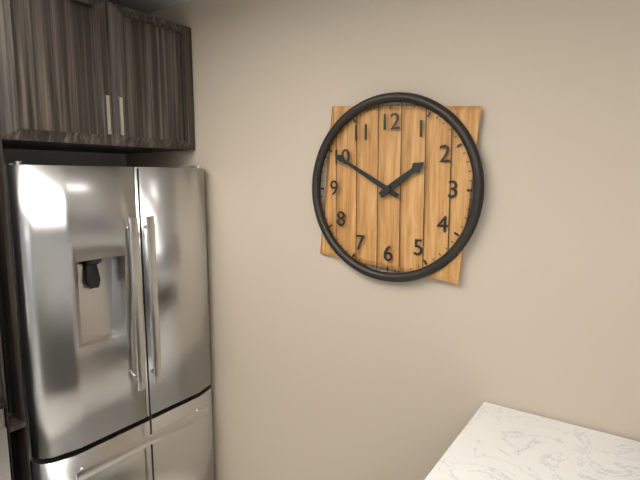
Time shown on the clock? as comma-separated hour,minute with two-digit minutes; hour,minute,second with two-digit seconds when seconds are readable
1,50
